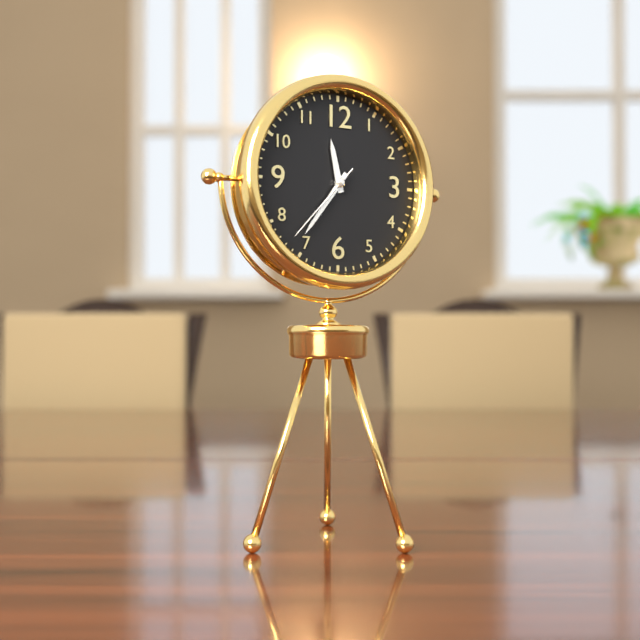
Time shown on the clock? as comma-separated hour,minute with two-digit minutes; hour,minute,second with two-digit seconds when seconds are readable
11,36,37
